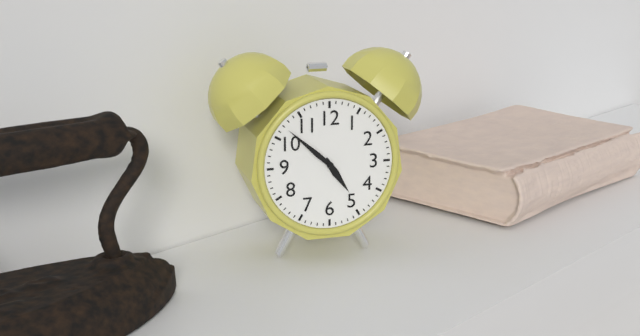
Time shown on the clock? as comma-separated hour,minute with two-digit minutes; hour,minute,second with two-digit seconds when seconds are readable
4,52
